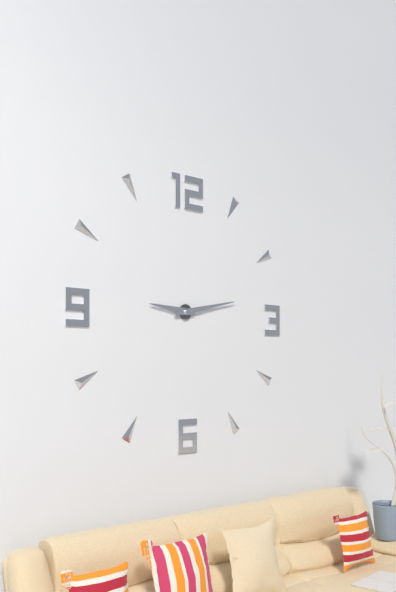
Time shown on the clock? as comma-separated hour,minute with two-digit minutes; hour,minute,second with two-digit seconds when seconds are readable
9,13
